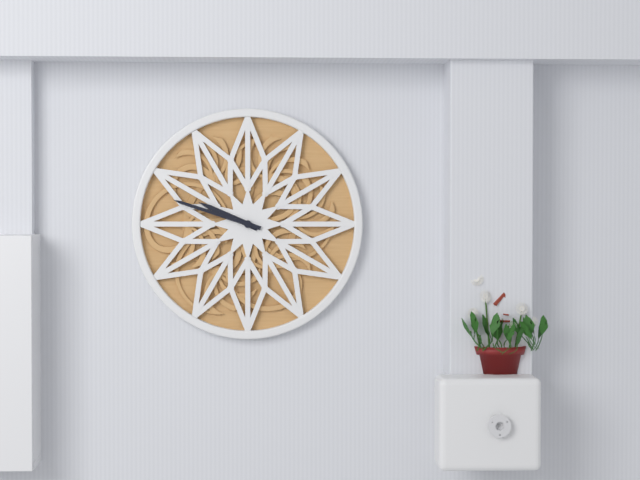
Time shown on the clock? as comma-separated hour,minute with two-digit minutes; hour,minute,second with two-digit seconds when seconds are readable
9,48
